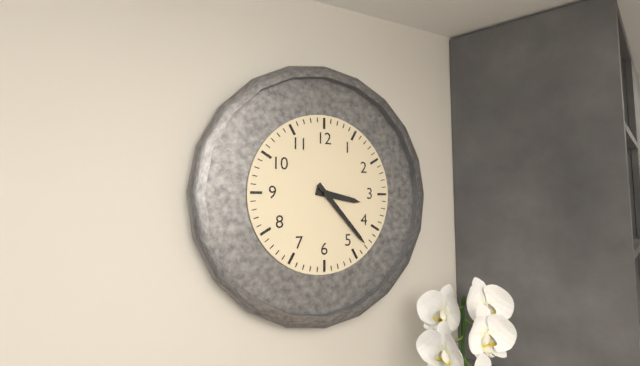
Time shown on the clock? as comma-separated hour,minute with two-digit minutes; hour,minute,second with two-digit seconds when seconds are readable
3,23
